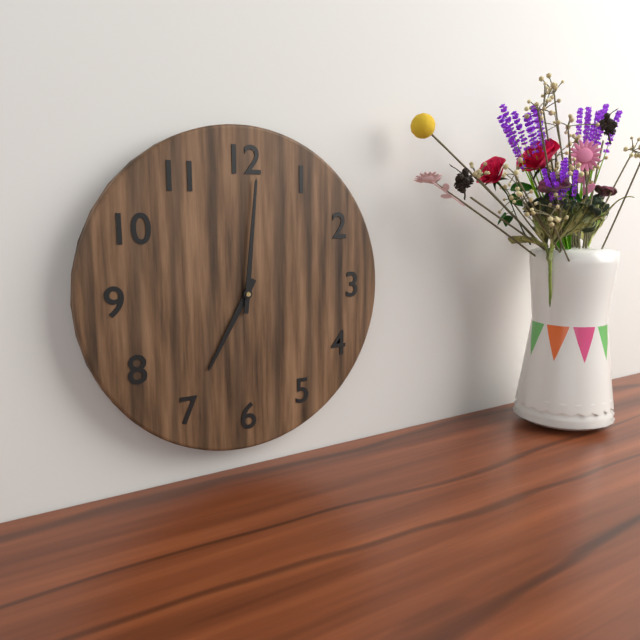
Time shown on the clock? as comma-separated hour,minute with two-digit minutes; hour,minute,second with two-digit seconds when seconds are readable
7,01
